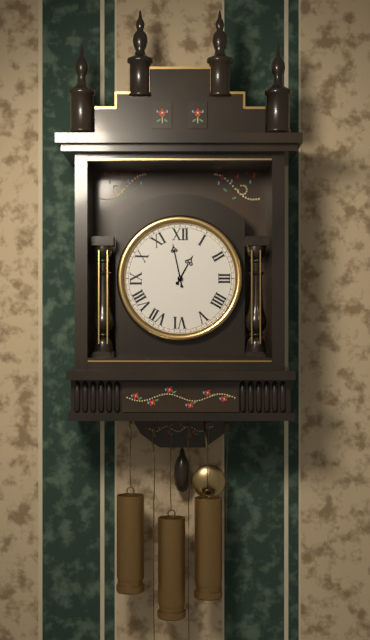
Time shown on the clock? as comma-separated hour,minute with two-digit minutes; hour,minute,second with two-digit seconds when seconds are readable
12,58
